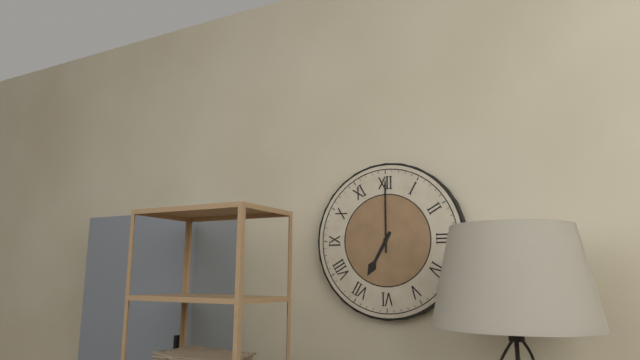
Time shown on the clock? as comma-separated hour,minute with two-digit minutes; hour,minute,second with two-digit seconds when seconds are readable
7,00
